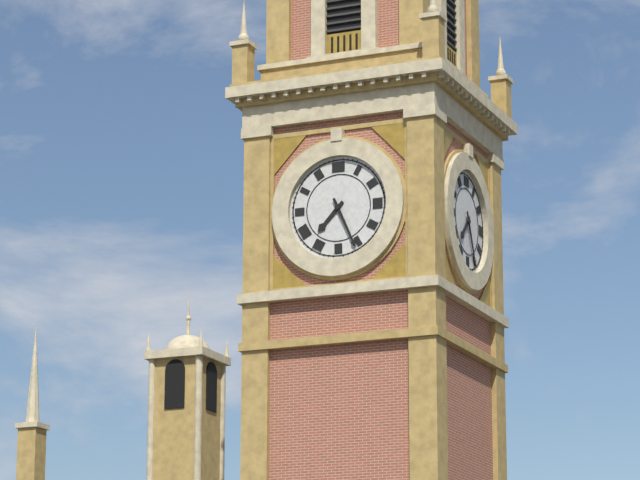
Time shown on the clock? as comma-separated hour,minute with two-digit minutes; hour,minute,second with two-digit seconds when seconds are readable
7,26
